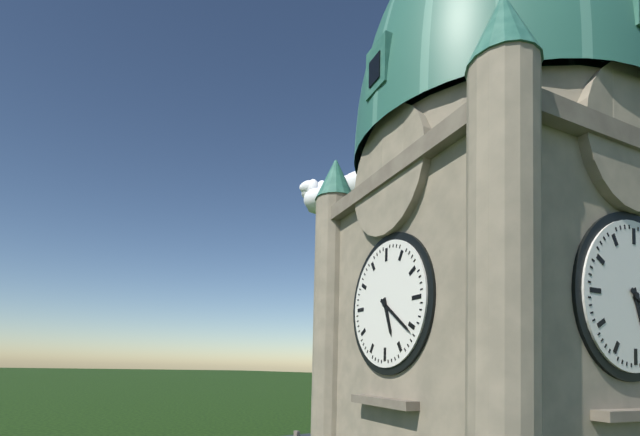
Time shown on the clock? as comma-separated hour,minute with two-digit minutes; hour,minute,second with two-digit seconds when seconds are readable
5,21
